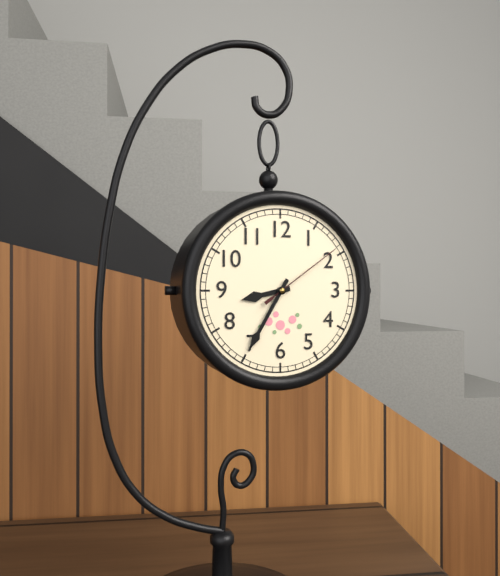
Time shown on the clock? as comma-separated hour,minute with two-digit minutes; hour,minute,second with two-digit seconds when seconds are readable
8,35,09
